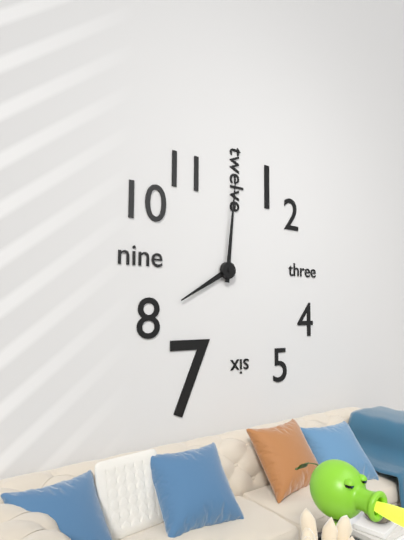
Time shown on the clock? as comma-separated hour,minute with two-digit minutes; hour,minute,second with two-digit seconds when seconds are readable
8,01
